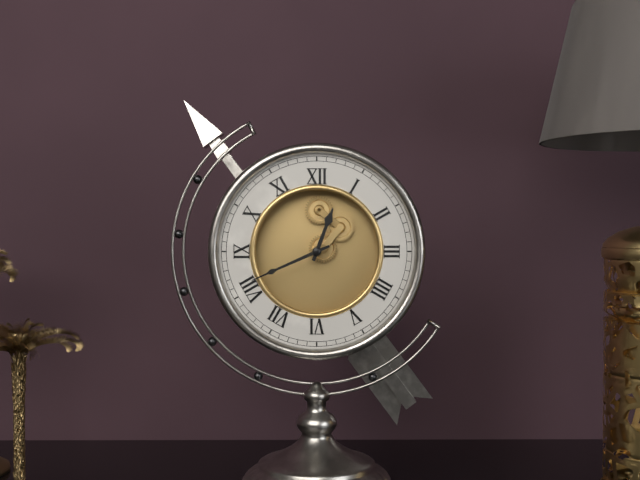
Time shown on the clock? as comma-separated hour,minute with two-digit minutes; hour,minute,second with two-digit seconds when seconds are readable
12,41
